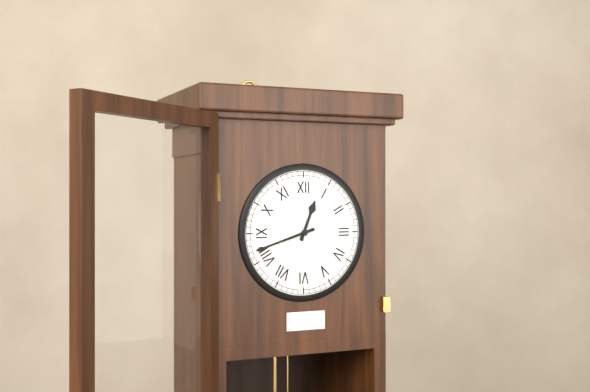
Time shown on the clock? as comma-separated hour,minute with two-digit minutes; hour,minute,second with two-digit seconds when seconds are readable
12,42
